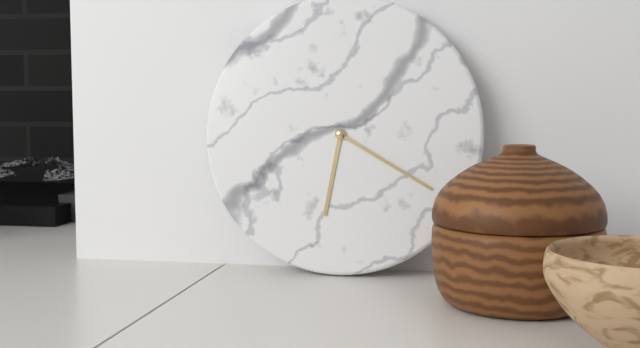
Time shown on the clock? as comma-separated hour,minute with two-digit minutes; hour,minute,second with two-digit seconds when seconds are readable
6,20
